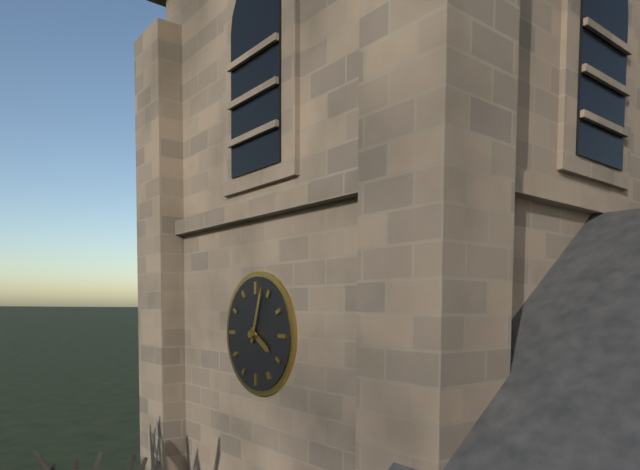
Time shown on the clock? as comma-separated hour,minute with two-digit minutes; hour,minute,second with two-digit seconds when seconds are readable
4,03
